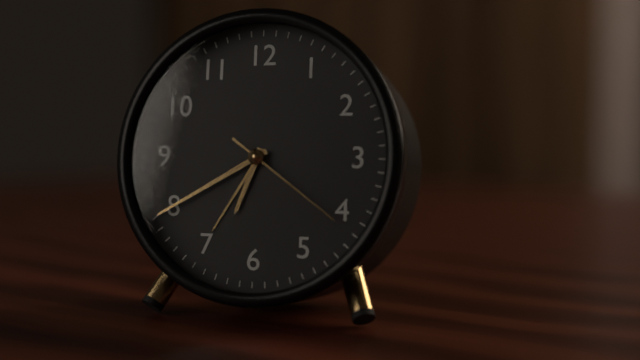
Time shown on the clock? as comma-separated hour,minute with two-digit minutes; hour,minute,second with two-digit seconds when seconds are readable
6,40,21
